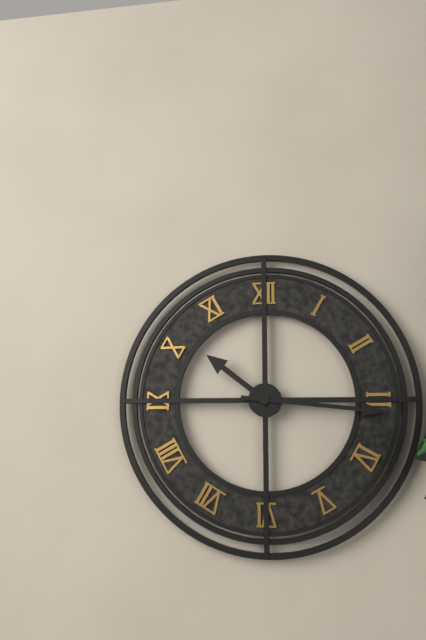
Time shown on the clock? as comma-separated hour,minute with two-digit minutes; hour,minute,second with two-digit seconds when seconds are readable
10,16
